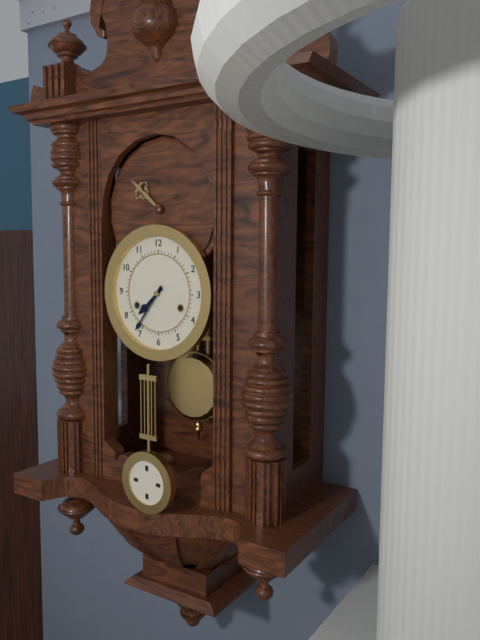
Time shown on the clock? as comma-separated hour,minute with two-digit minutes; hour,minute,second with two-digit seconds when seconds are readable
7,36
